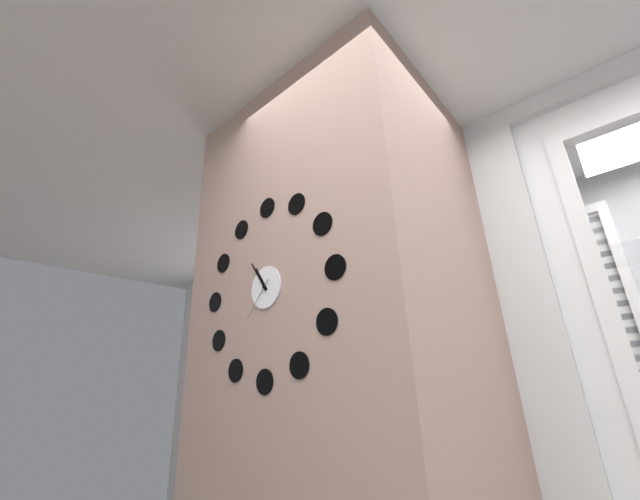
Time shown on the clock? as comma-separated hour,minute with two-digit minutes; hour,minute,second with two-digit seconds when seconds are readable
10,54
